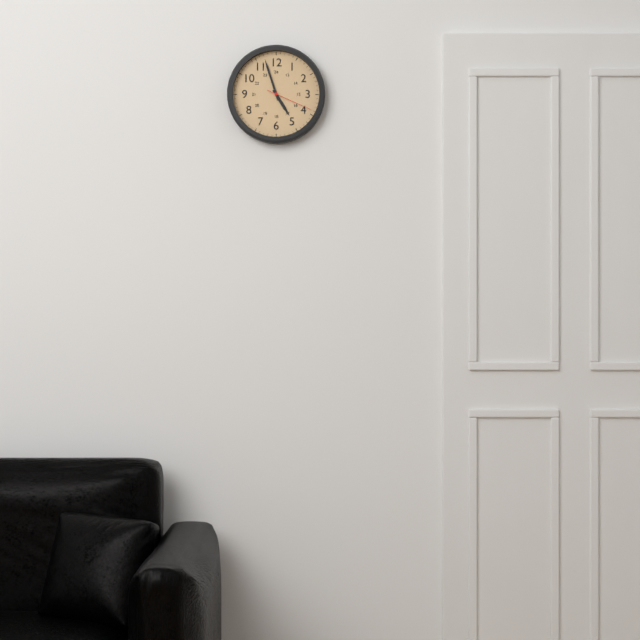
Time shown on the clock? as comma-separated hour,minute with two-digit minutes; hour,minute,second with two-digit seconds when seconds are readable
4,57
